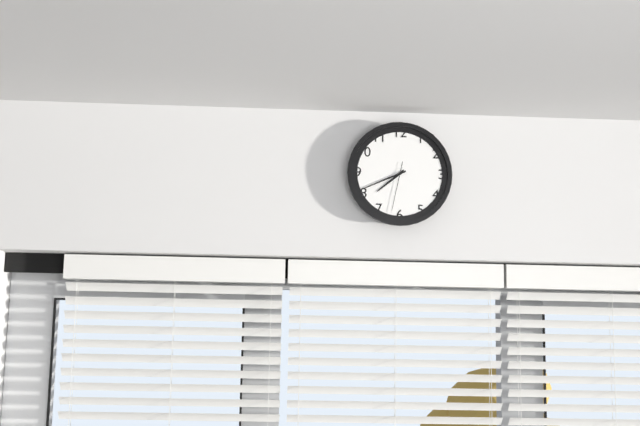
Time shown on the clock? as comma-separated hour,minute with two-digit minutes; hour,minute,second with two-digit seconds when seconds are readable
7,41,32
